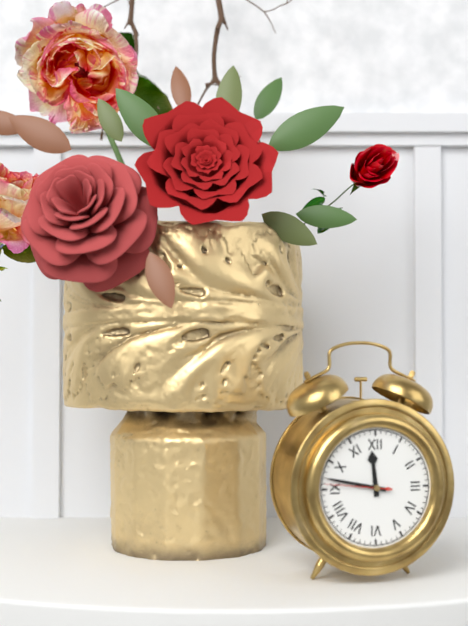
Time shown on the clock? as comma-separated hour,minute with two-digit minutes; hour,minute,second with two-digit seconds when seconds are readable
11,47,46
